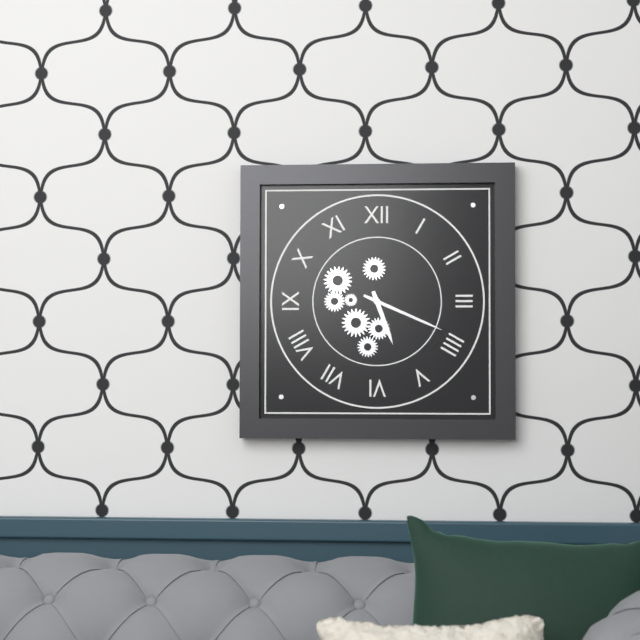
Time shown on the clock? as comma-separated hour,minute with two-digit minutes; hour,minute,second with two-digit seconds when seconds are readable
5,19
